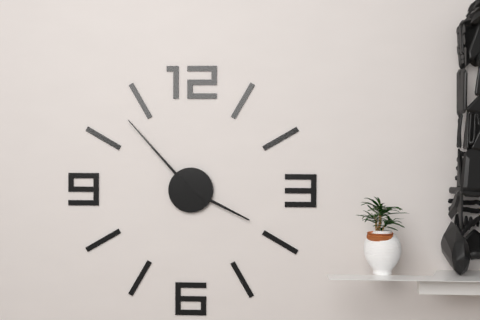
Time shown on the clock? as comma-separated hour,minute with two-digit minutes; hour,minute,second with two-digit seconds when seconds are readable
3,53
